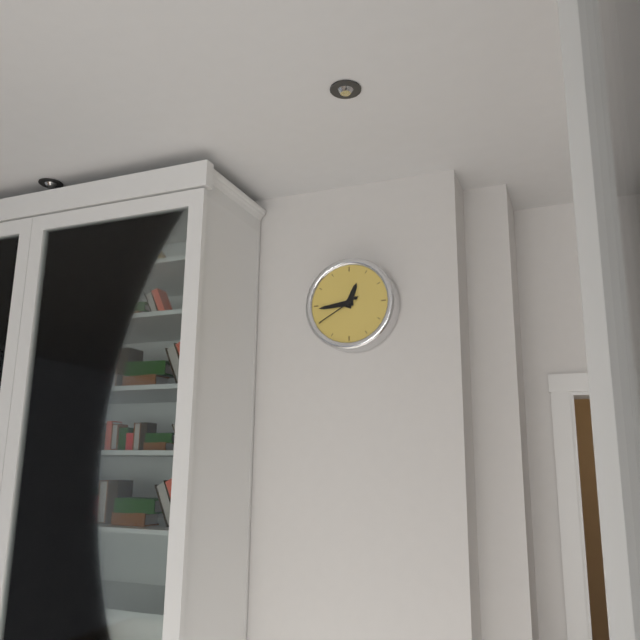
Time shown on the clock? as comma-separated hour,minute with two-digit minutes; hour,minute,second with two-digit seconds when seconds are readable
12,44
